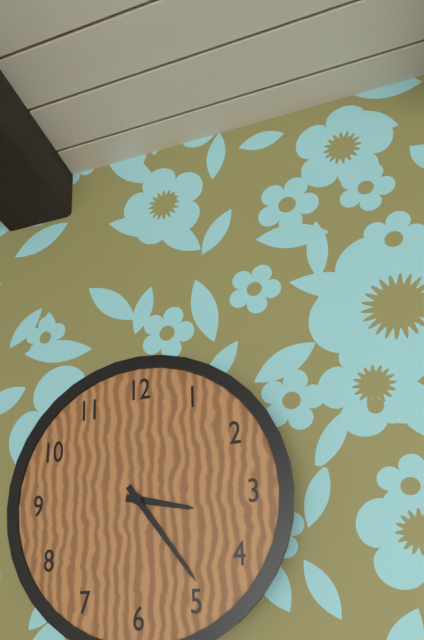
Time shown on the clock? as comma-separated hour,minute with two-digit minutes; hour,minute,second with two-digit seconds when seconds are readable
3,24
